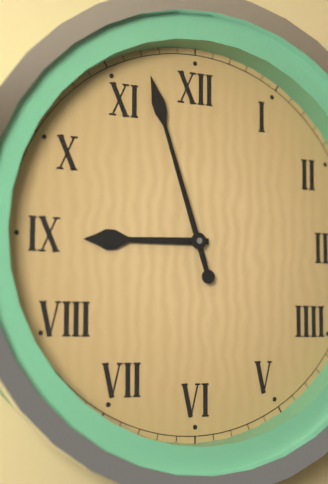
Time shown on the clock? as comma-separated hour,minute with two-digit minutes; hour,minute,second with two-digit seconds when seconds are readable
8,57
